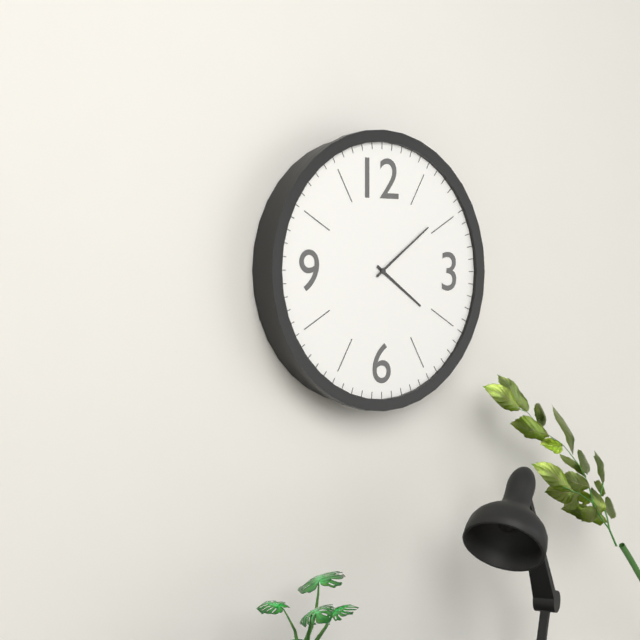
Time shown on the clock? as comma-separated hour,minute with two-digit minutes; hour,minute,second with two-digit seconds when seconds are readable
4,09
